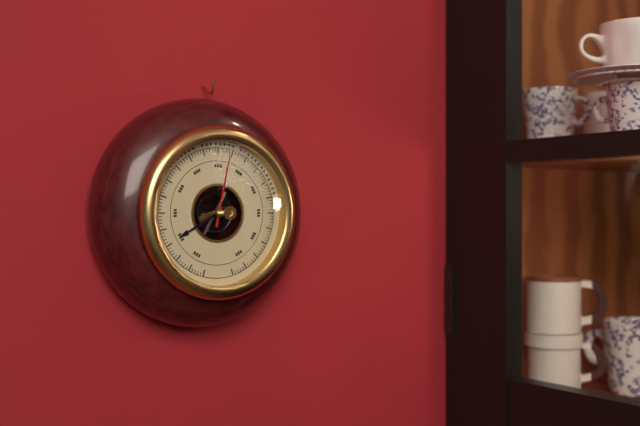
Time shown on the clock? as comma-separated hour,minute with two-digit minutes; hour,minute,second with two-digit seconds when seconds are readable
8,02
